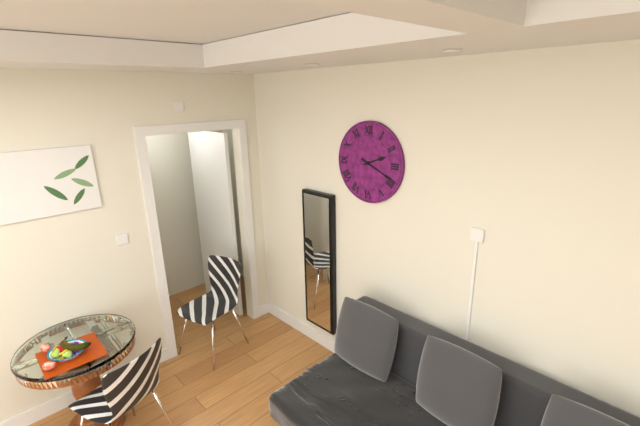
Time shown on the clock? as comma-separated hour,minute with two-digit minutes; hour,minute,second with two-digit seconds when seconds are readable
2,19
